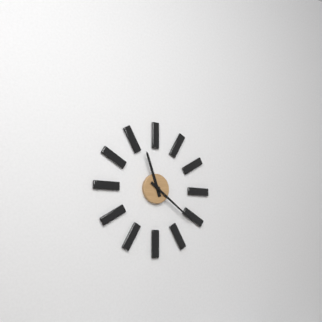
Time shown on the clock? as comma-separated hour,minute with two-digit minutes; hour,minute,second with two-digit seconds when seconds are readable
11,21
